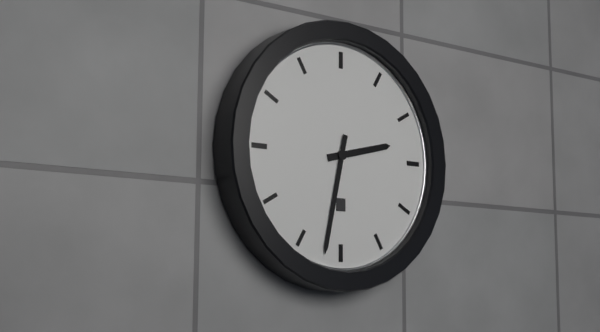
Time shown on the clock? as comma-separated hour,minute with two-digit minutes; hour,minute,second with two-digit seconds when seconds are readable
2,32
